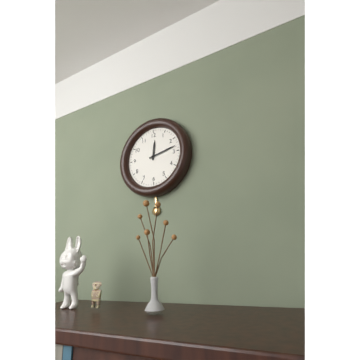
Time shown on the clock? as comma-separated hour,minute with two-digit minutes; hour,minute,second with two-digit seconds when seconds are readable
12,13
